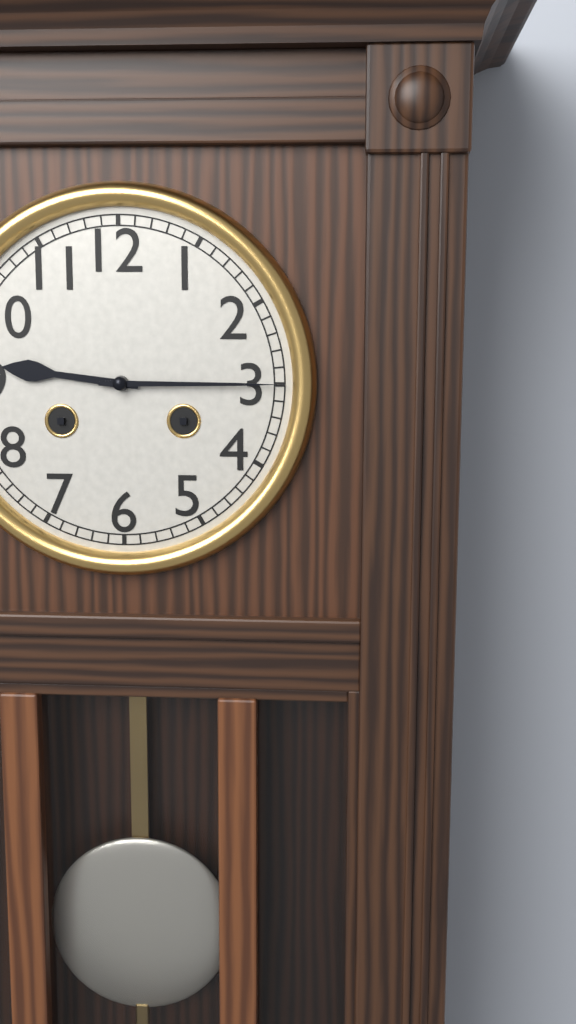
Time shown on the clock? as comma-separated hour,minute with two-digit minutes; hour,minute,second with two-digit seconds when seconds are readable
9,15
